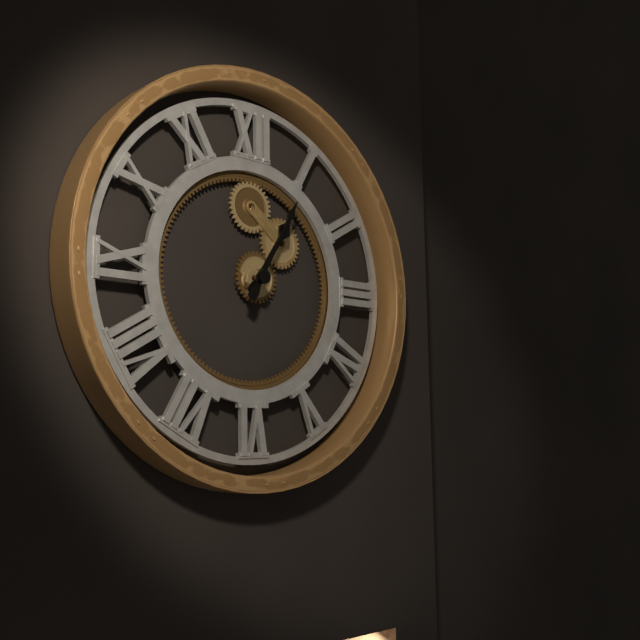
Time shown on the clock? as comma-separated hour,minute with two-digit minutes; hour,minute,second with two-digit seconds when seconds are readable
1,05
